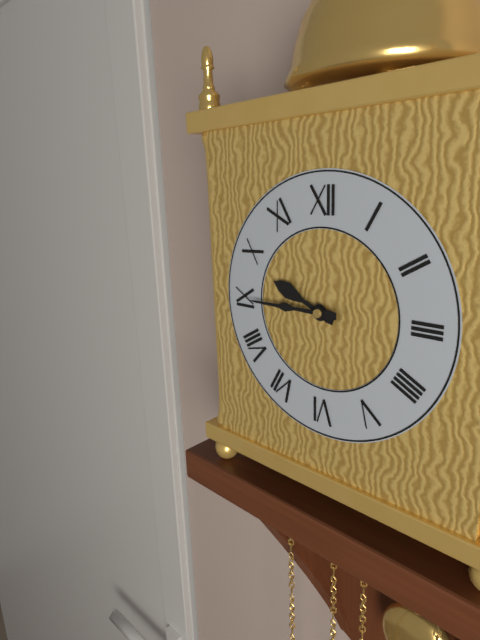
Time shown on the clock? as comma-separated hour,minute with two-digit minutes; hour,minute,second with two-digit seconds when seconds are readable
9,45
